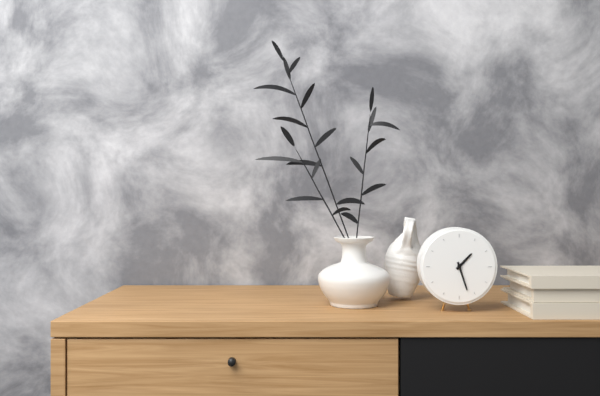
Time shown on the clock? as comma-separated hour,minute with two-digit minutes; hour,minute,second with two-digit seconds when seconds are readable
1,27
